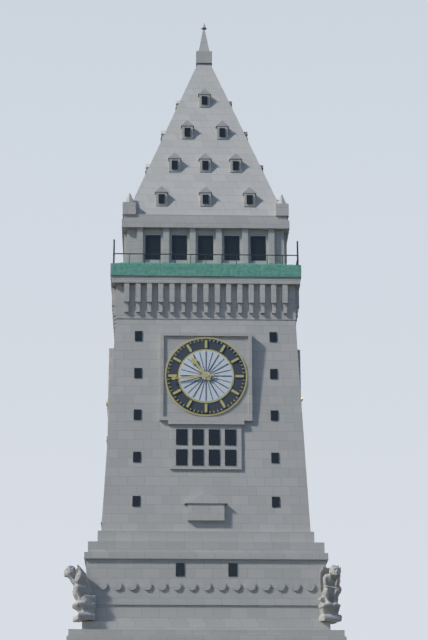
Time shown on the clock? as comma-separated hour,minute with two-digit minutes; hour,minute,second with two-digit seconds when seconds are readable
10,44
